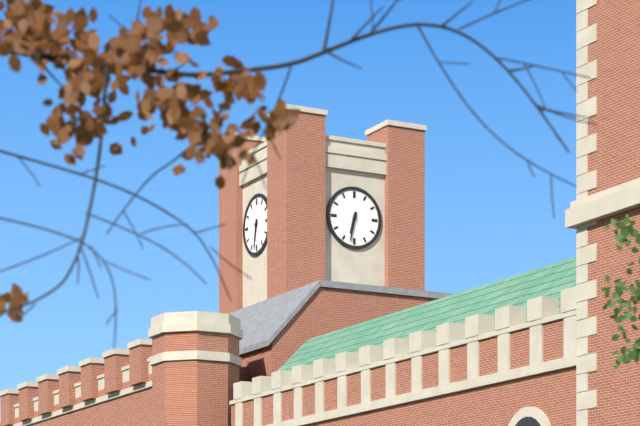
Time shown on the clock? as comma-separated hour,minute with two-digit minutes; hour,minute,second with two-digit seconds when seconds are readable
6,32
